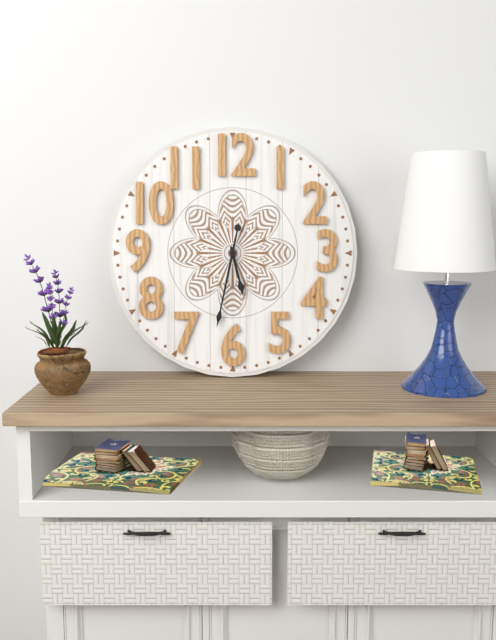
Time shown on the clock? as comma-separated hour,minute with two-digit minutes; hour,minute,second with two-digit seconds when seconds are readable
5,32
